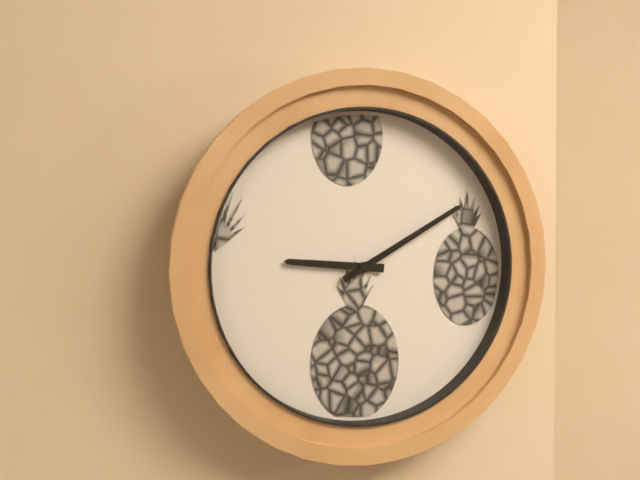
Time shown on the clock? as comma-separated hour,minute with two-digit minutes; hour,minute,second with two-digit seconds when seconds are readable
9,10
